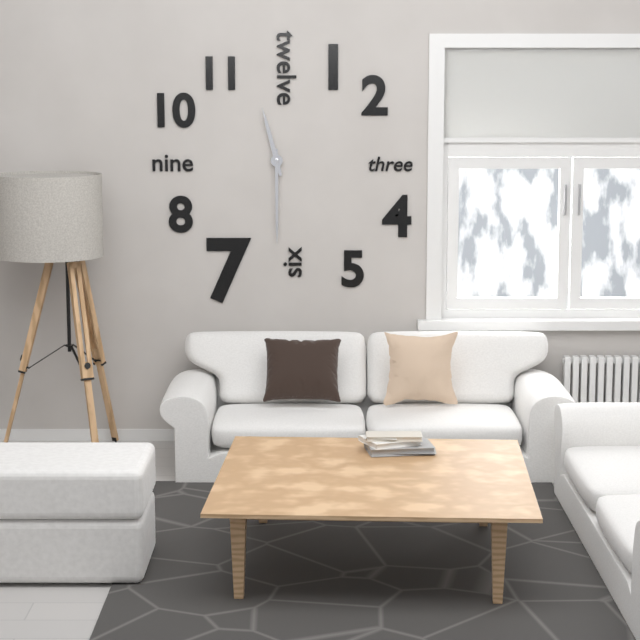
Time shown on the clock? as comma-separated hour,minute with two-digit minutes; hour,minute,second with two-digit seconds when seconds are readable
11,30
